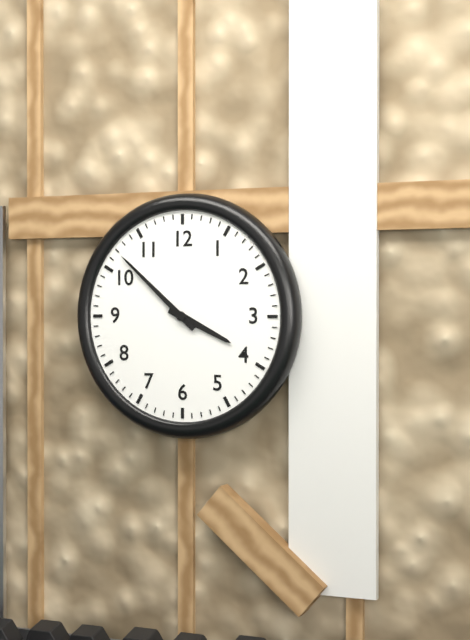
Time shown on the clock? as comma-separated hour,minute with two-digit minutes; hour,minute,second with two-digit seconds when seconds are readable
3,52
